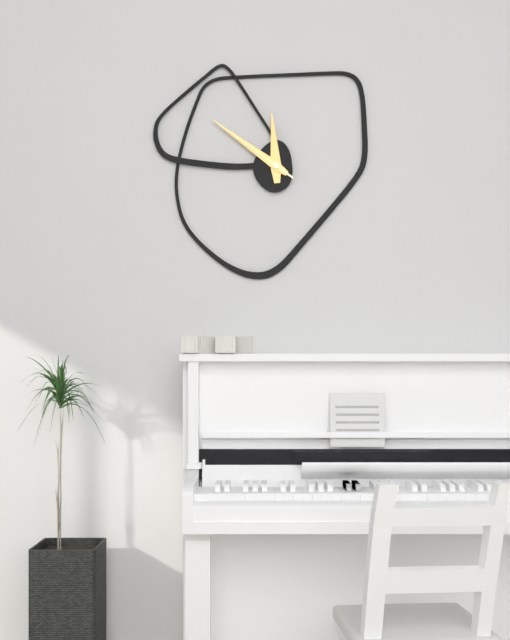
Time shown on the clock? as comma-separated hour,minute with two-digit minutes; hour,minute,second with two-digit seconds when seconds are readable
11,51,51
